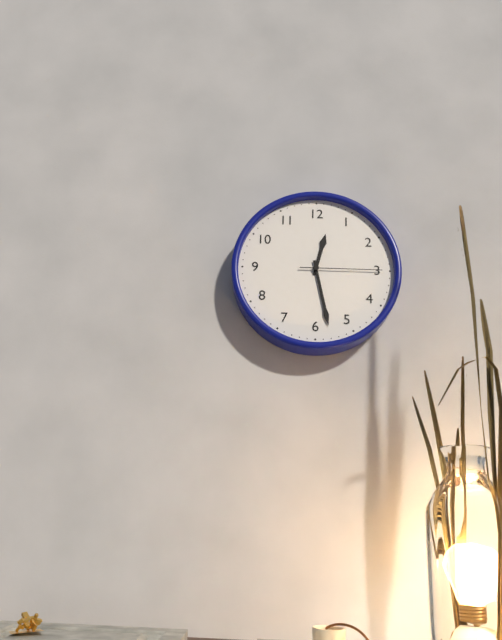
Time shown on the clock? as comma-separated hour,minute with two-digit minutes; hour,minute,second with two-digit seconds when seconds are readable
12,28,15
